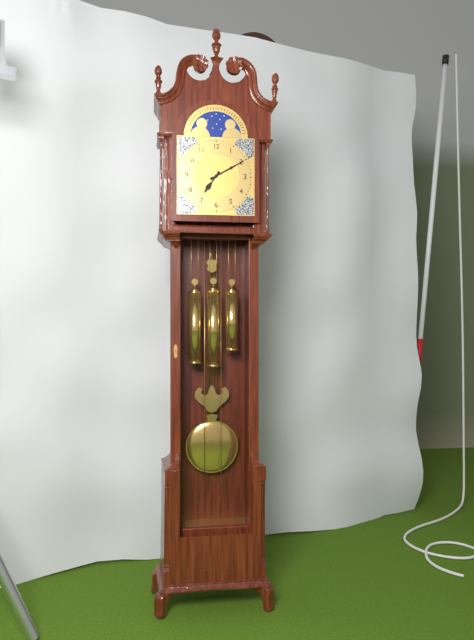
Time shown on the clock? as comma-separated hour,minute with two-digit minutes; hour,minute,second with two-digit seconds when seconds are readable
7,10
